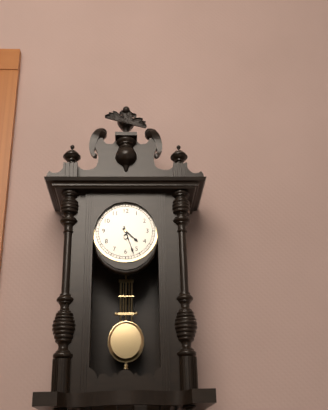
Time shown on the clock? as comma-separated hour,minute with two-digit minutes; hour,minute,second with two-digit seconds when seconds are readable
4,27
